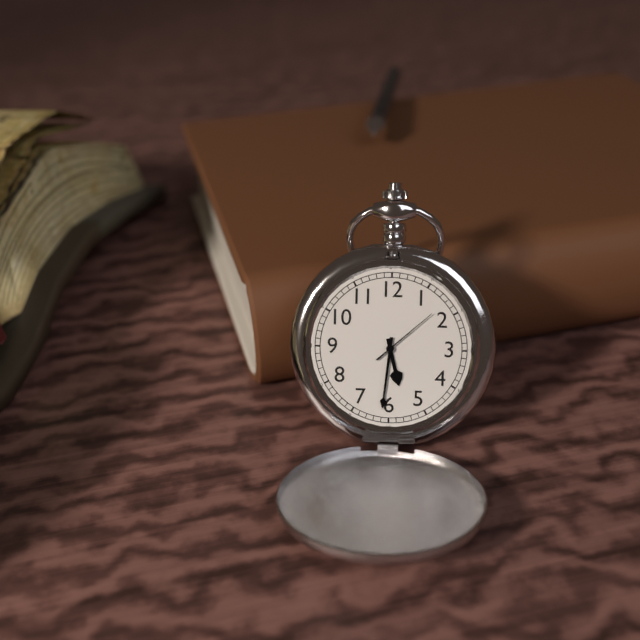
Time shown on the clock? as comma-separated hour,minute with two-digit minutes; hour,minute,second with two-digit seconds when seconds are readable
5,31,08
